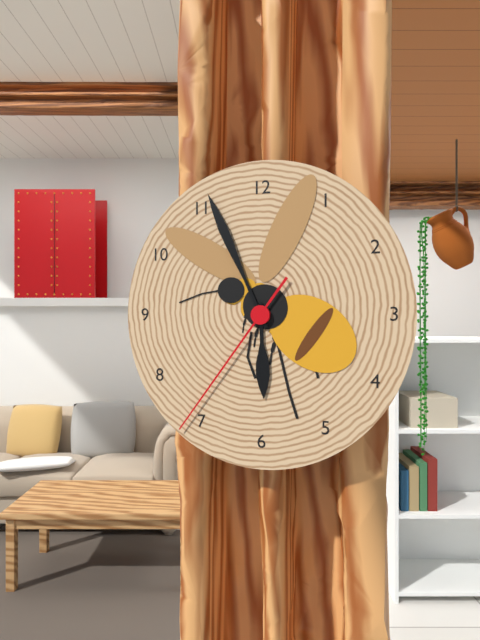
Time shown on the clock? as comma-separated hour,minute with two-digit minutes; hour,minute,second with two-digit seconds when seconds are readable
5,56,36
